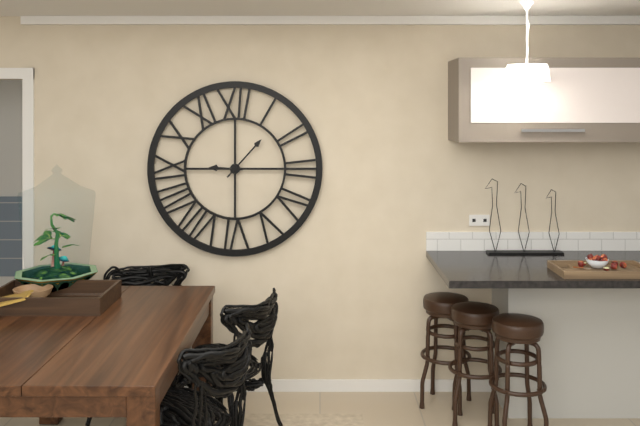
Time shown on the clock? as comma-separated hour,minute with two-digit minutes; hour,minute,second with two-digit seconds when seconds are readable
9,07
